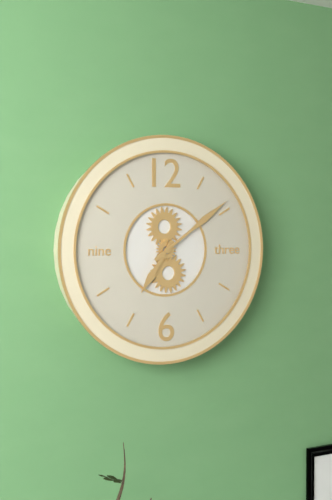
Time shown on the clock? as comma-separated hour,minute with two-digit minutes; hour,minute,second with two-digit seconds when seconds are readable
7,09
